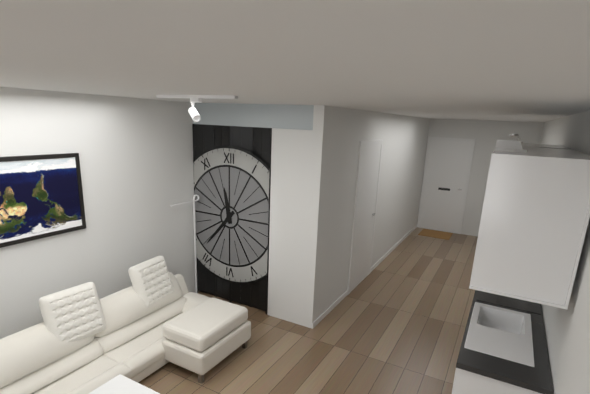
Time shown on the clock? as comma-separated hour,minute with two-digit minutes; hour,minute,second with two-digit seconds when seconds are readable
11,37
